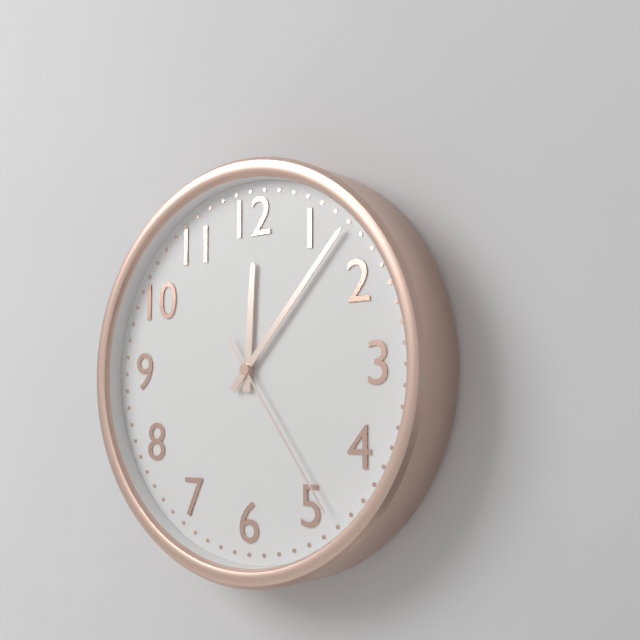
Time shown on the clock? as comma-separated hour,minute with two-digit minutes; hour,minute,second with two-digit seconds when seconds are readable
12,07,24
